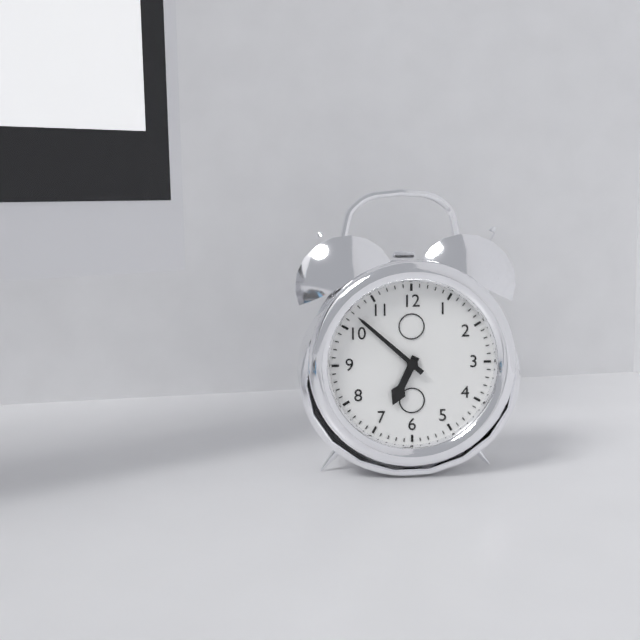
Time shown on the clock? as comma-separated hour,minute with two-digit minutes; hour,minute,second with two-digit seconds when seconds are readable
6,52
